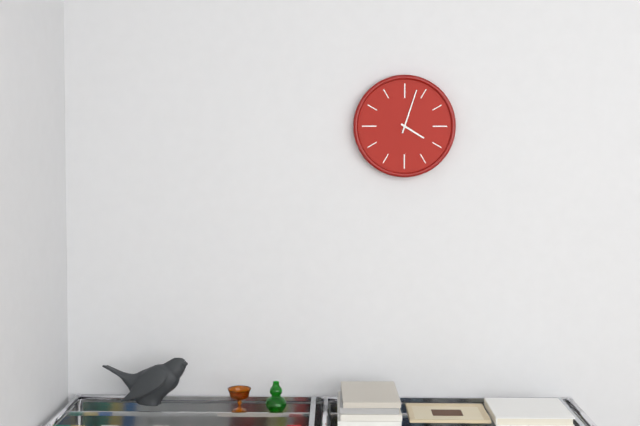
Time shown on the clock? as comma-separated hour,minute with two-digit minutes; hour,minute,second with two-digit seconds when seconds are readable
4,03
